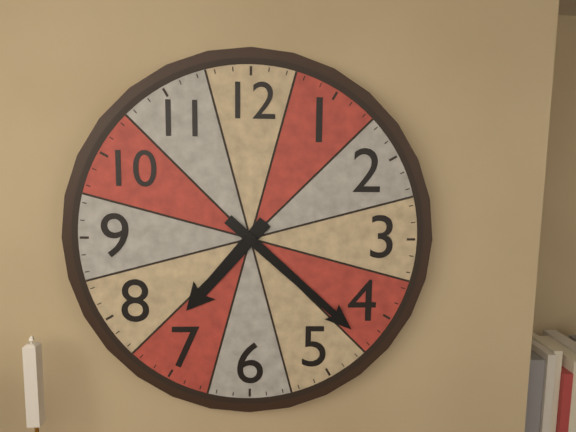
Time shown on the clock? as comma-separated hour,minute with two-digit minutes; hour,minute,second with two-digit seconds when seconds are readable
7,22
